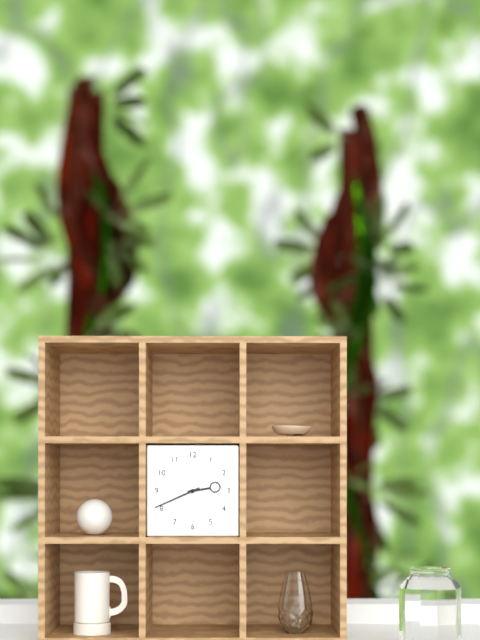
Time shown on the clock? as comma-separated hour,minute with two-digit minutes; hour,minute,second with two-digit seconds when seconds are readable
2,41
